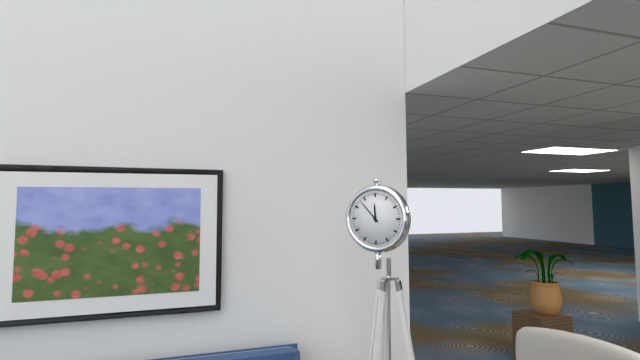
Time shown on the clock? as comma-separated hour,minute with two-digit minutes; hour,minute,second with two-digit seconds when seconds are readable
11,53
